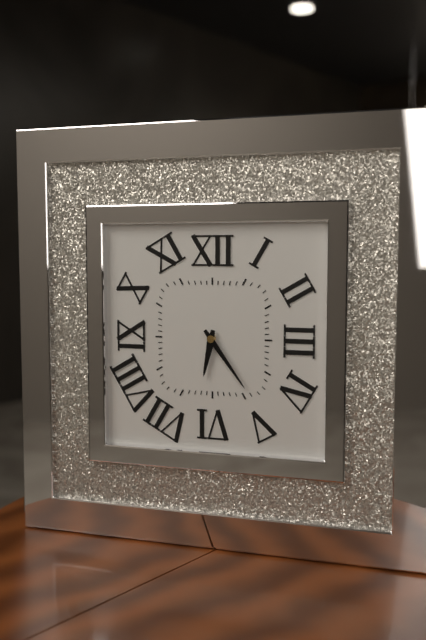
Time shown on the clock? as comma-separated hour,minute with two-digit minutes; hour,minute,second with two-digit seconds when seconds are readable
6,24
